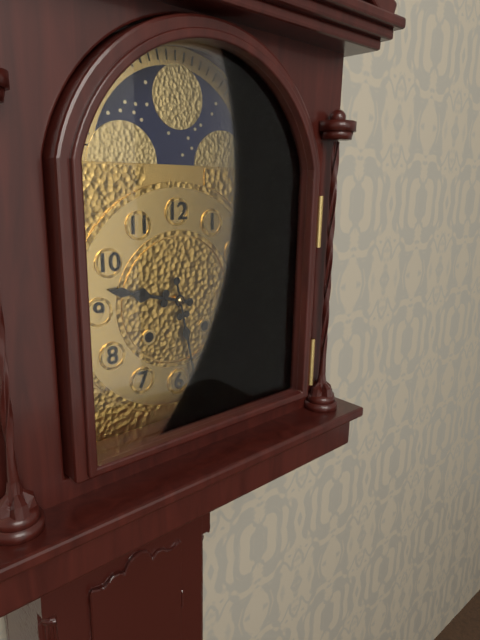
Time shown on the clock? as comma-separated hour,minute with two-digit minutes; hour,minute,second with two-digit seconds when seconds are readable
9,28
